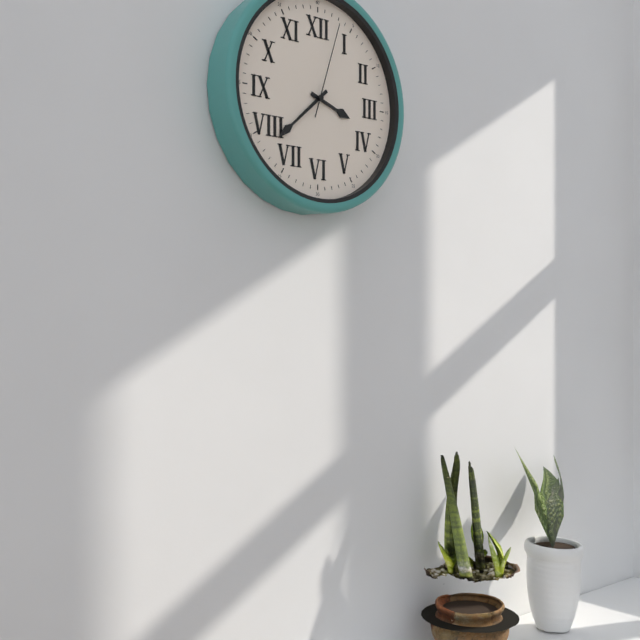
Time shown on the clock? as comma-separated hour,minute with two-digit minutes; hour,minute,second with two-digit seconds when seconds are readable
3,38,03
